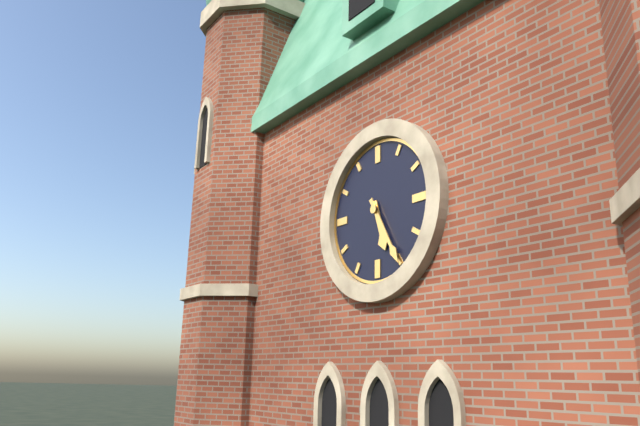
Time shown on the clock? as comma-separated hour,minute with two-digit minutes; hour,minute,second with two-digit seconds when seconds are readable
5,25
